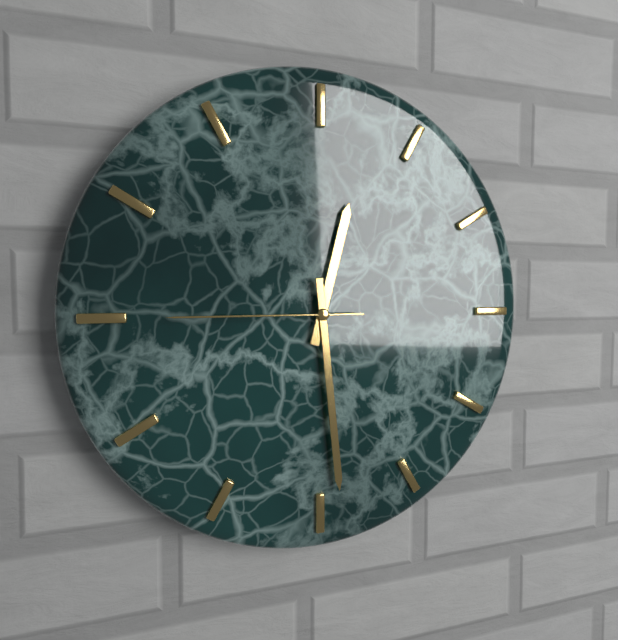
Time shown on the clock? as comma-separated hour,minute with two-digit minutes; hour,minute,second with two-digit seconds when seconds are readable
12,29,45
